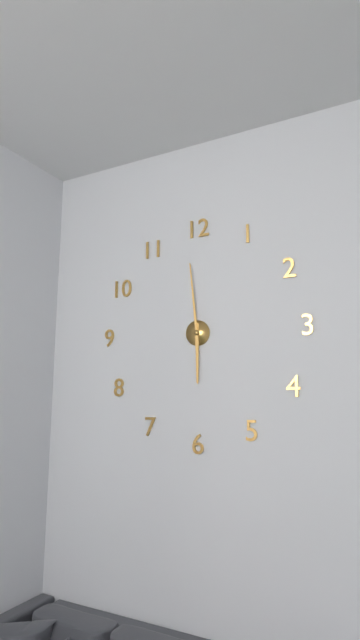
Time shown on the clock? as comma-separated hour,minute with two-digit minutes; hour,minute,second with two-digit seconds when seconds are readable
5,59
